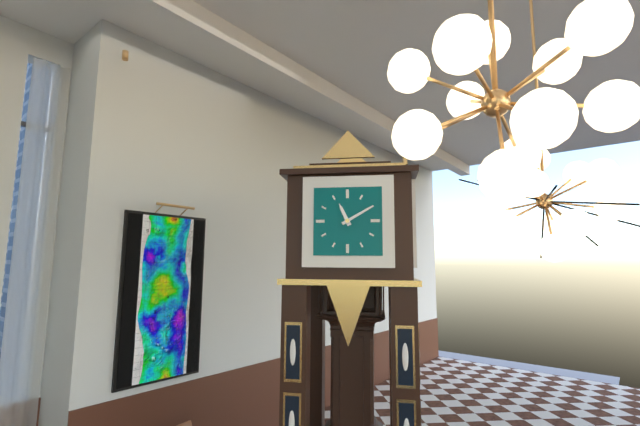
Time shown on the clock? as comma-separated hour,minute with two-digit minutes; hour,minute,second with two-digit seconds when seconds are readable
11,10
